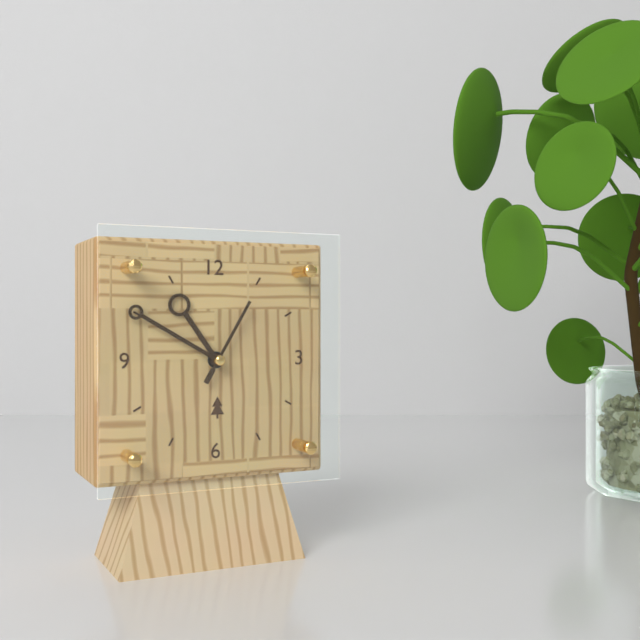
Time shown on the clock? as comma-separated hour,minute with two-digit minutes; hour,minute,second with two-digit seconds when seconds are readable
10,50,05
